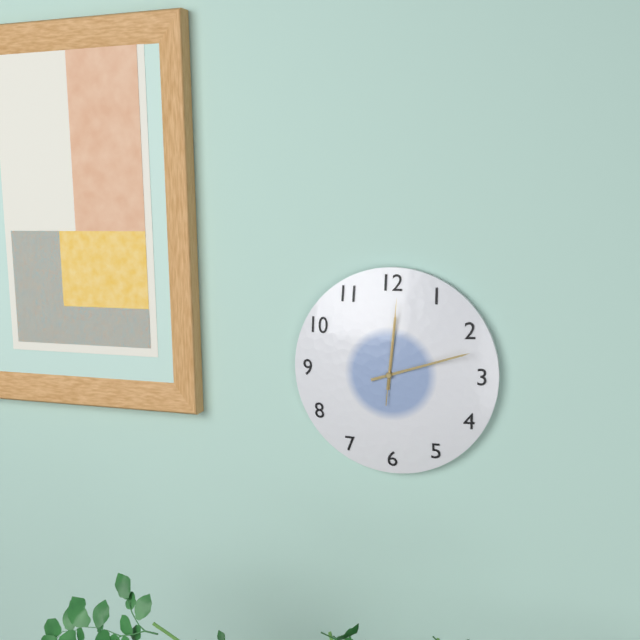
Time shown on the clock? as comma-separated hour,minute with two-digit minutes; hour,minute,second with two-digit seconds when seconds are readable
12,12,01
